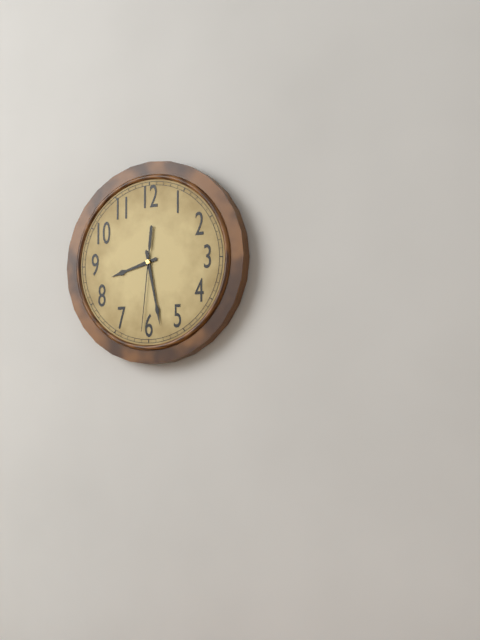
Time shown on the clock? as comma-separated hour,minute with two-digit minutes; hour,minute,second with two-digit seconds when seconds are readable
8,28,31
